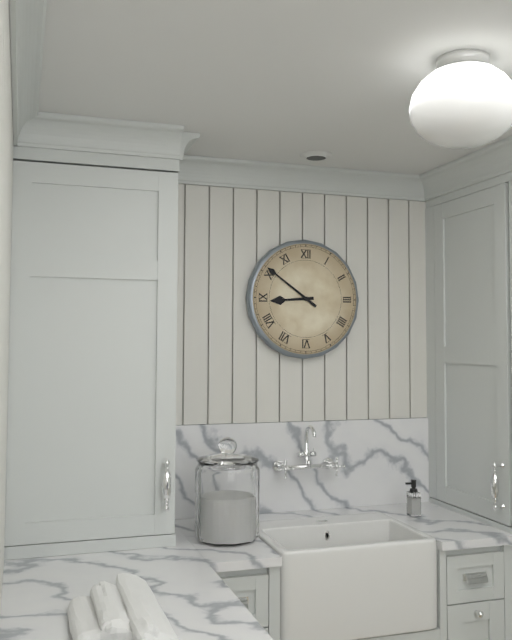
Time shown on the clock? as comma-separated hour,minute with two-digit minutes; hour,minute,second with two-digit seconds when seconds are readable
8,51
